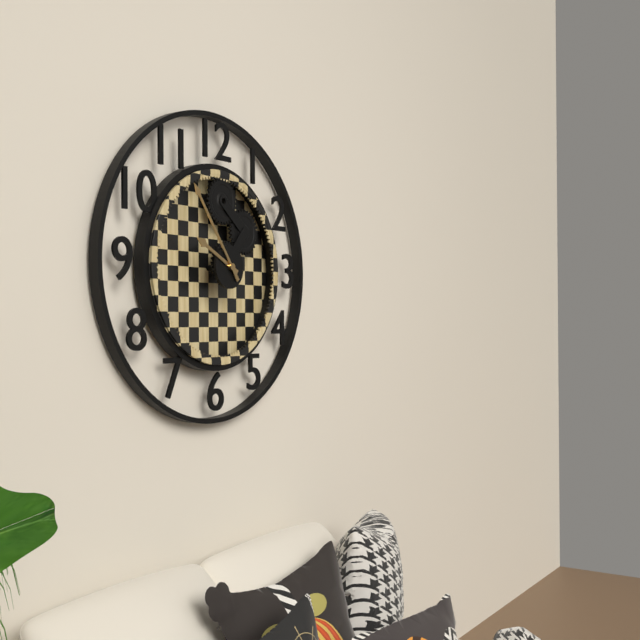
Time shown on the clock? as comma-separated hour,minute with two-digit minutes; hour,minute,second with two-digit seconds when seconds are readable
9,54
